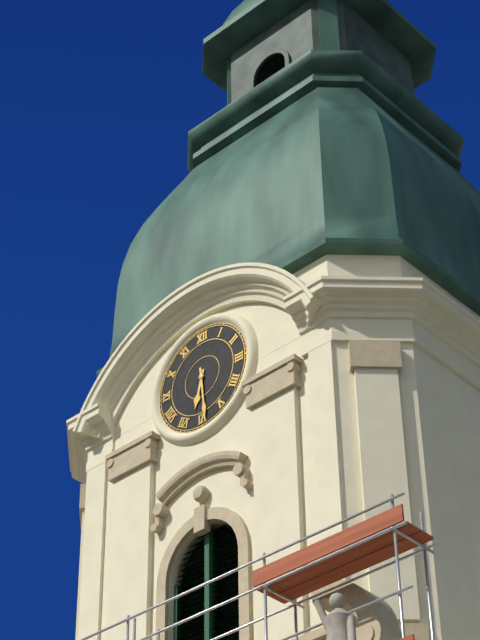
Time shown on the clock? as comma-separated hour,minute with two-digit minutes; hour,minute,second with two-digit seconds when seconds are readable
6,29
